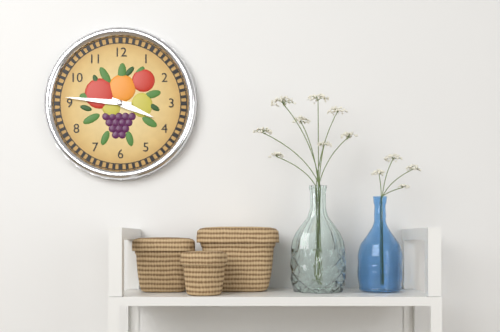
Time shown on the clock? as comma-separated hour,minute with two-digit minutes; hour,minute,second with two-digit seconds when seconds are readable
3,46
